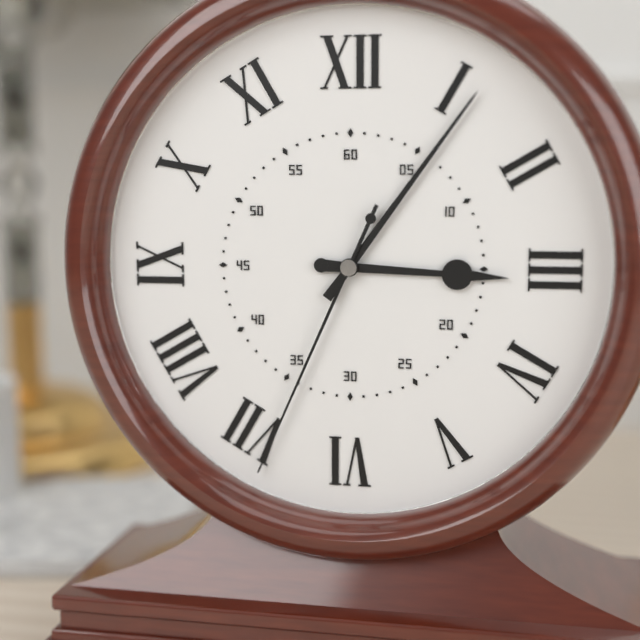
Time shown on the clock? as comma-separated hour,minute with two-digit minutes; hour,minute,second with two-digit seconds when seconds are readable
3,06,34
